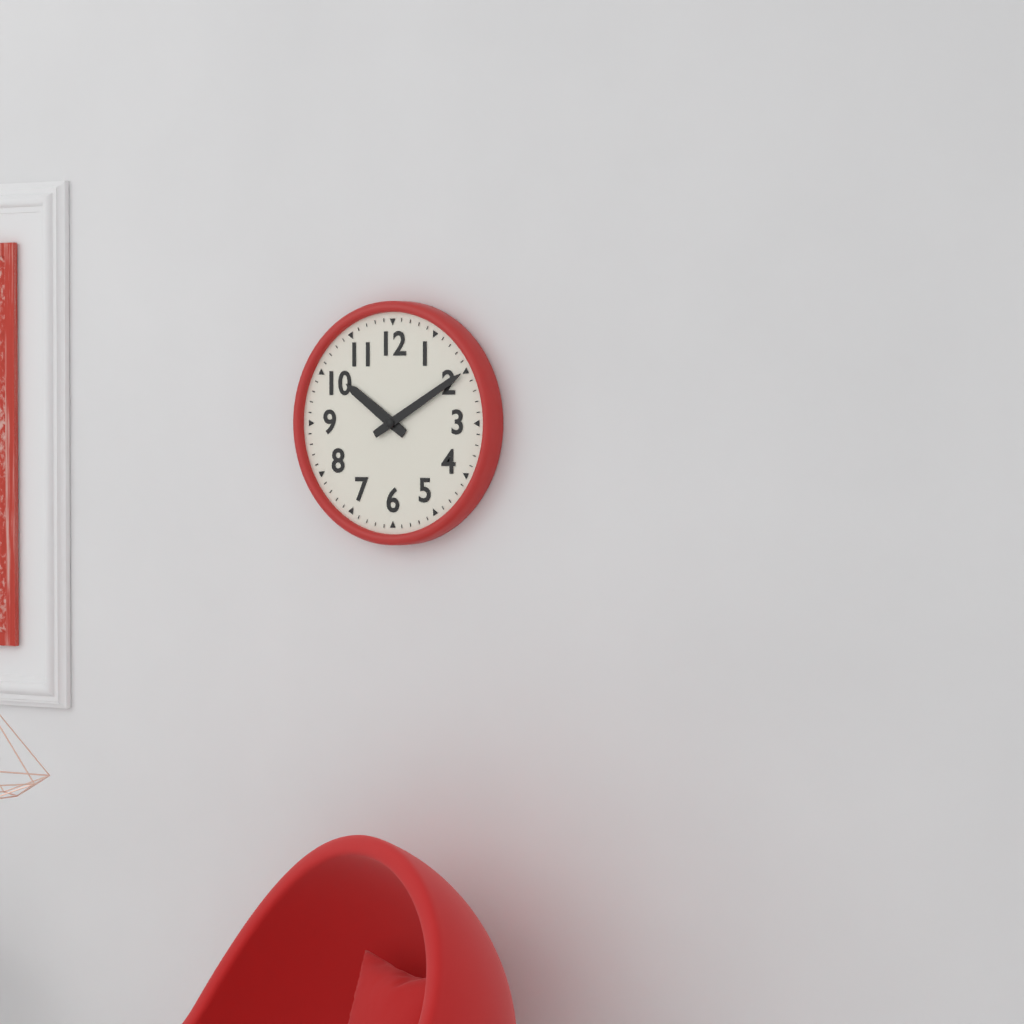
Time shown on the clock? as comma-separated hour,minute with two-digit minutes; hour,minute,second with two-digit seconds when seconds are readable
10,10
